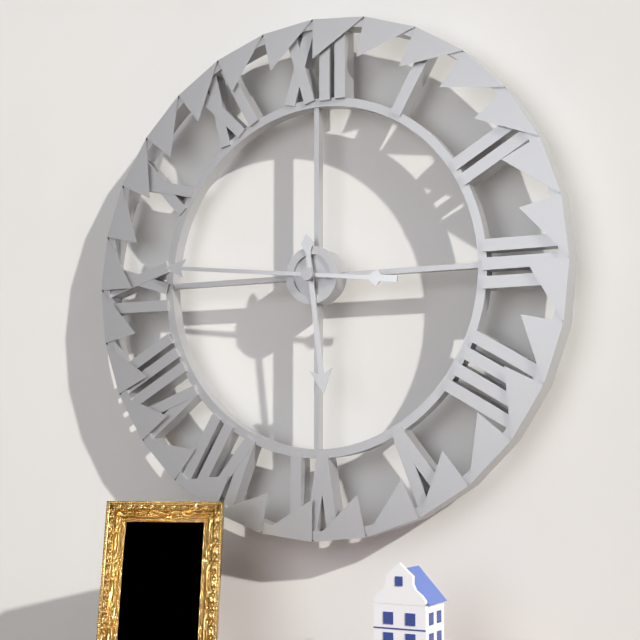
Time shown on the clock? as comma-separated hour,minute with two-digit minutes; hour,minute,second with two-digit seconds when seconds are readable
5,46
